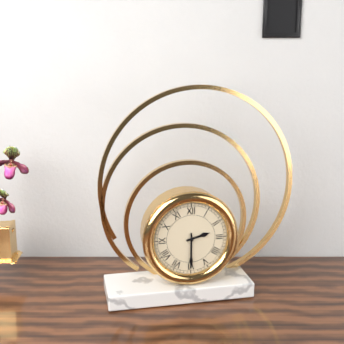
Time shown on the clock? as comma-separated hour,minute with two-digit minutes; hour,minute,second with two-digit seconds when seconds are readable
2,30
